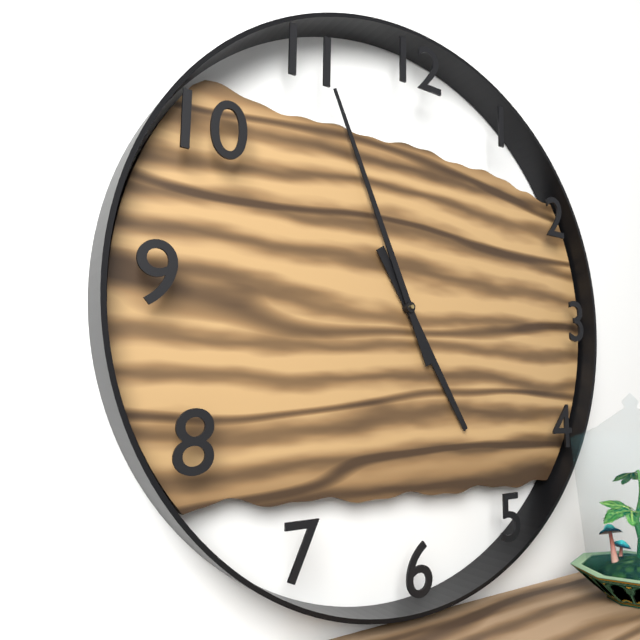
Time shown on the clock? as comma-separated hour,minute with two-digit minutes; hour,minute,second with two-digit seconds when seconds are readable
4,56
